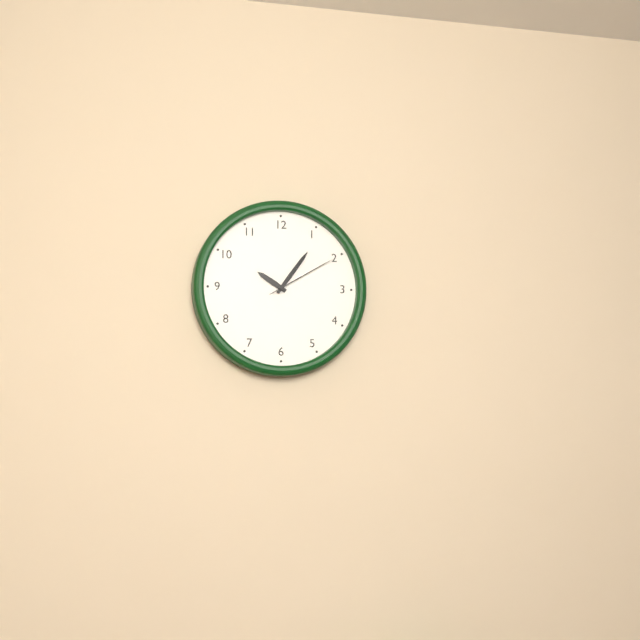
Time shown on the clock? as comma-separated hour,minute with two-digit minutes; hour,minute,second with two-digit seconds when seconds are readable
10,06,10
